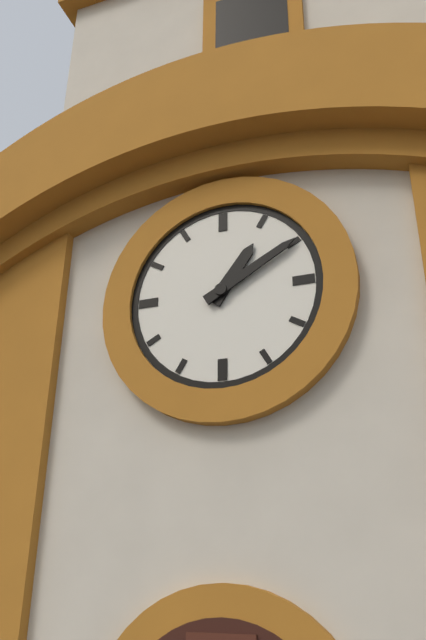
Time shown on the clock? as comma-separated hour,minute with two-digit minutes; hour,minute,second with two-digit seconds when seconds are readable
1,10
